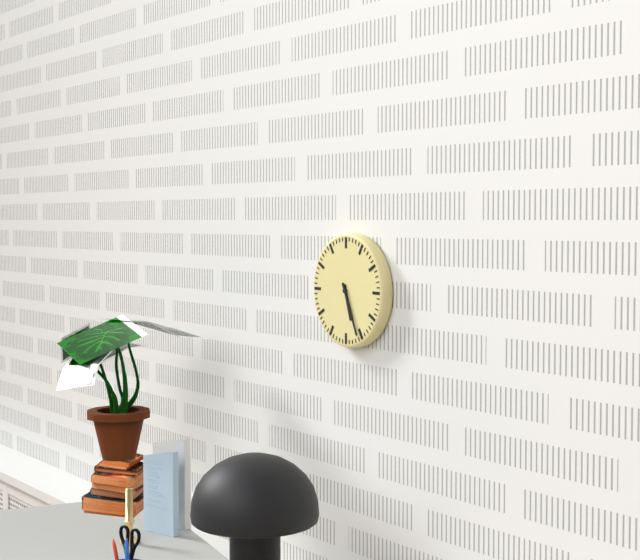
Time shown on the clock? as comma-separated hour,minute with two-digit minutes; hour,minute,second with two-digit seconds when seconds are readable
5,26
